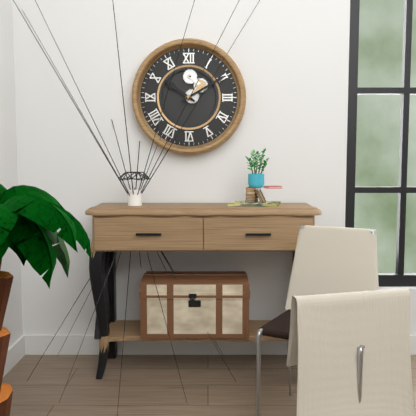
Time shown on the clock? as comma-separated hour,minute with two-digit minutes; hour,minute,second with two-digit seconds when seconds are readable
10,10
